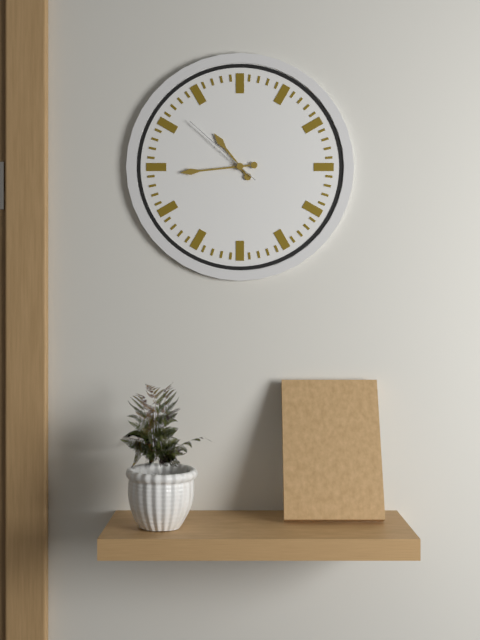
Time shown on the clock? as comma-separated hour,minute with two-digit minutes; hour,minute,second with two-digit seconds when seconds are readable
10,44,52
